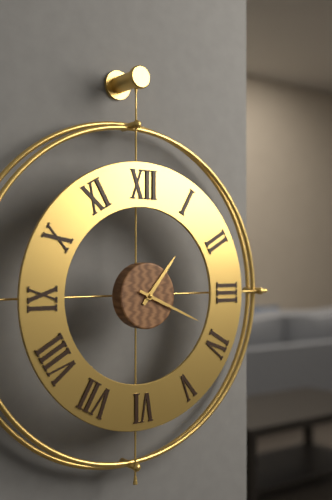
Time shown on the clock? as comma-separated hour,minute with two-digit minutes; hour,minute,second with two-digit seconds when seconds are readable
1,19
